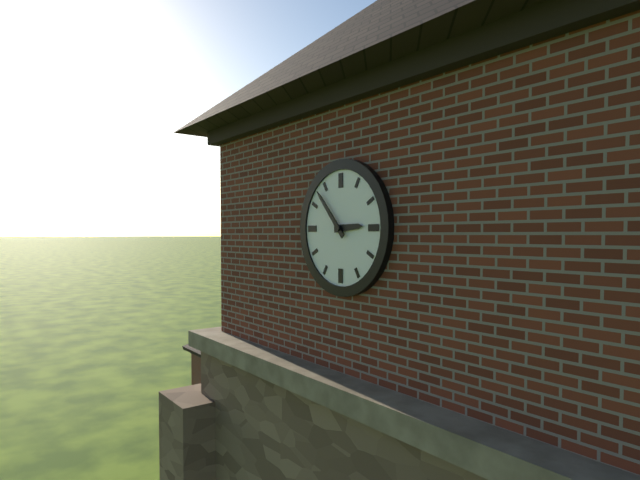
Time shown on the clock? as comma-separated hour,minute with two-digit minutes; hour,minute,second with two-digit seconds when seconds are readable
2,53
